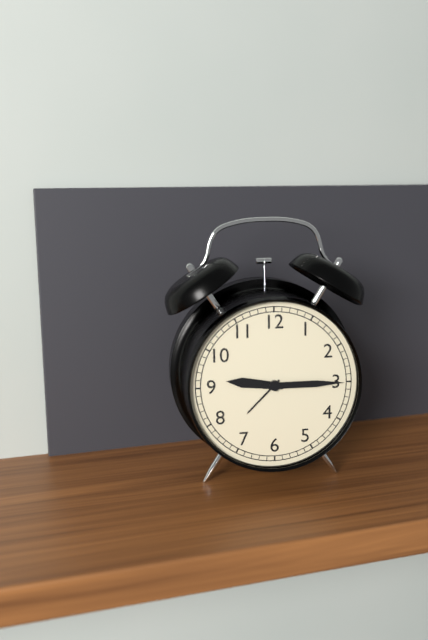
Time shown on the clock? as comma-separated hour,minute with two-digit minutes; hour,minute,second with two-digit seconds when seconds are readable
9,15
